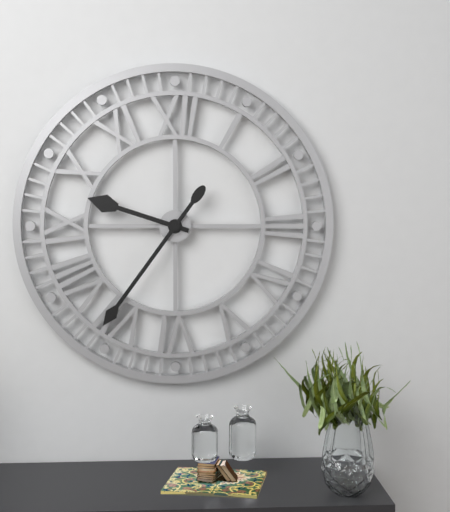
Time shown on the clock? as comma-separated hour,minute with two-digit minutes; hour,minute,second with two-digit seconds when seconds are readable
9,36
